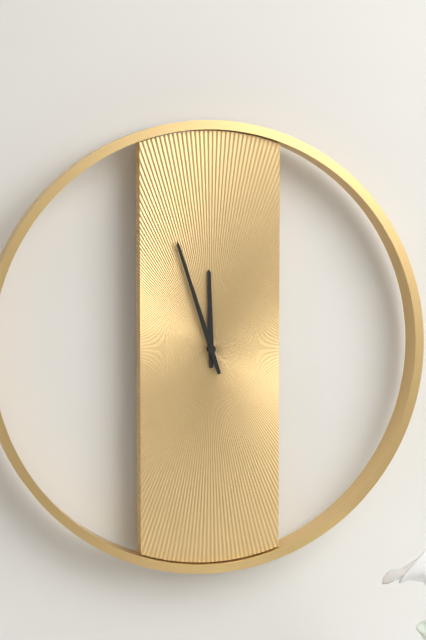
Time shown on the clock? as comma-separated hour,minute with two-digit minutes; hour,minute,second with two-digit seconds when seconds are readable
11,57
